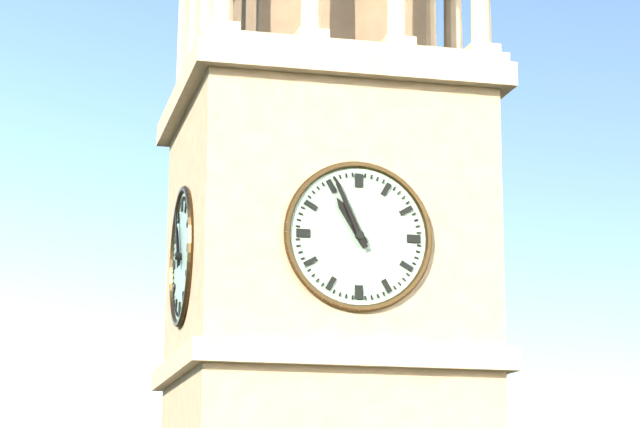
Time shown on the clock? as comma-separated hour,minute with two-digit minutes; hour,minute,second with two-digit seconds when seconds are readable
10,56
